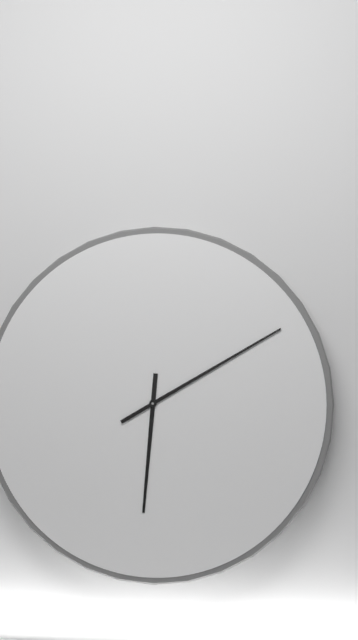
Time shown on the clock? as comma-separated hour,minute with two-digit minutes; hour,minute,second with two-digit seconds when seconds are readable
6,10
